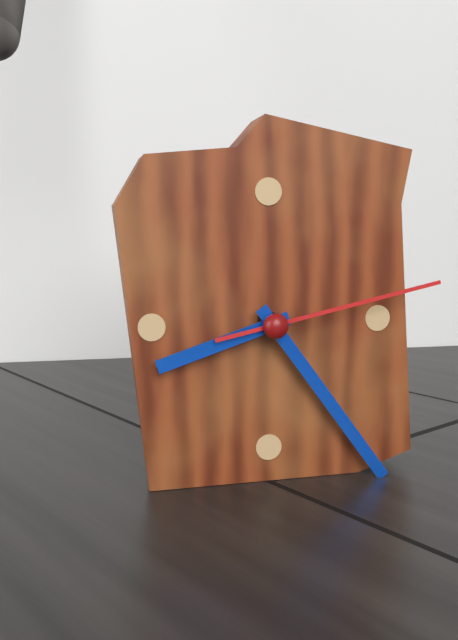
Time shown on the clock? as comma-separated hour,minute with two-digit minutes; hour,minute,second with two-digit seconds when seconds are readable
8,24,13
